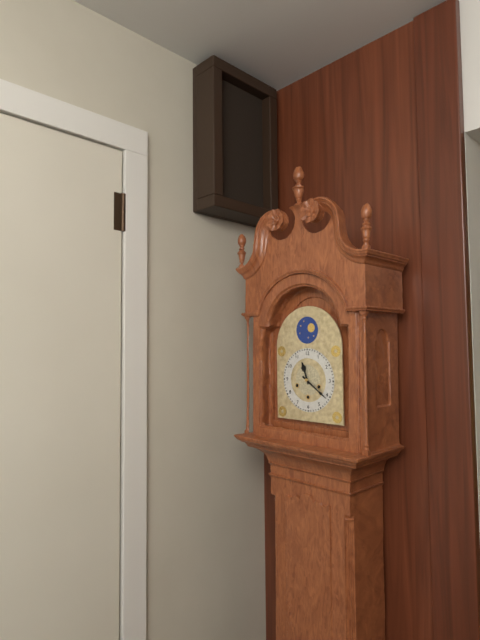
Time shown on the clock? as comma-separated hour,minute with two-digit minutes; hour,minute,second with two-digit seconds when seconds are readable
11,21
